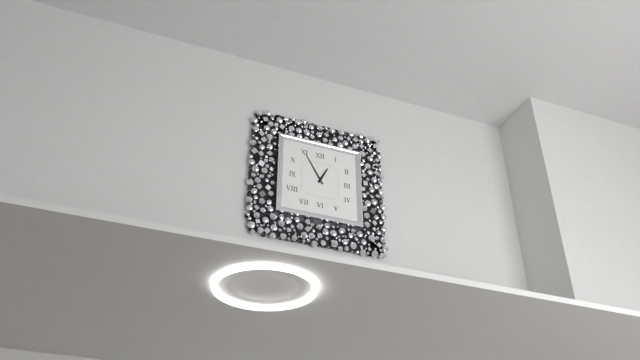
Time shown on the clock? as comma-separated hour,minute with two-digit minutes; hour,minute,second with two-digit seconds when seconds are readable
12,55
